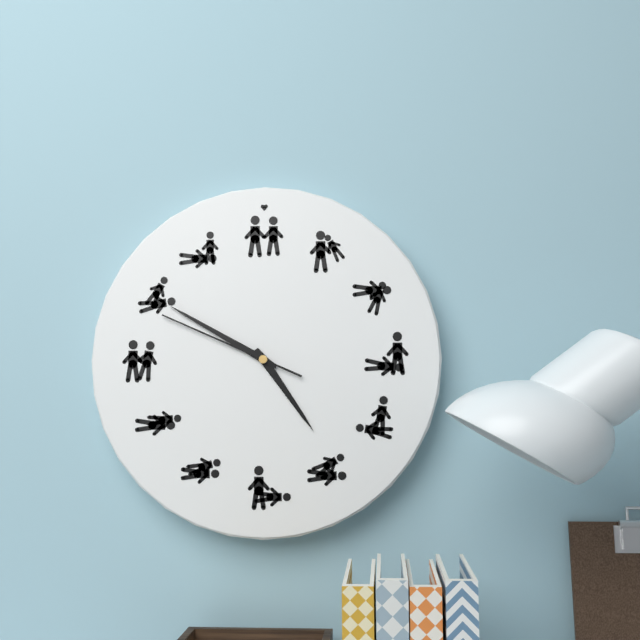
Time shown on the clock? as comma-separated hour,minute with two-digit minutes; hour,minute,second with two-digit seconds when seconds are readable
4,50,49
